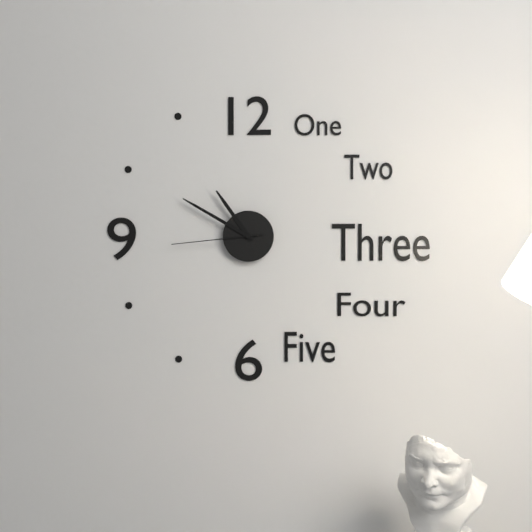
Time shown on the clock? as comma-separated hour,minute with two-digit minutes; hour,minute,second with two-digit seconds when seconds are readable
10,50,44
